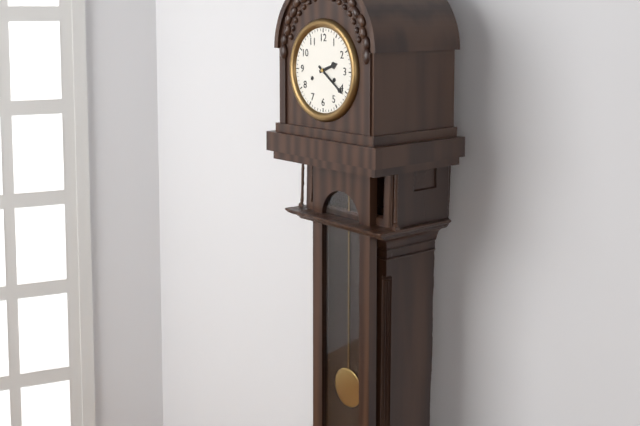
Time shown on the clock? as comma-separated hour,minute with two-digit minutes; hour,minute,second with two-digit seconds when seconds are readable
2,21
